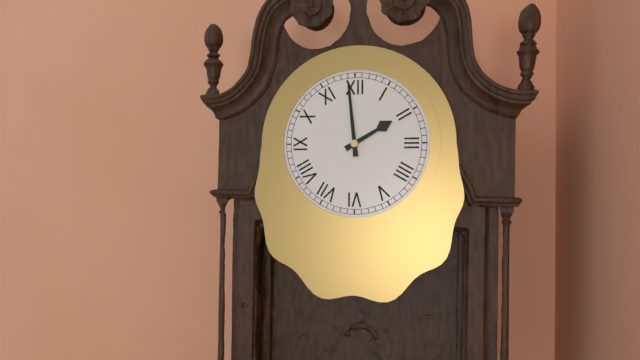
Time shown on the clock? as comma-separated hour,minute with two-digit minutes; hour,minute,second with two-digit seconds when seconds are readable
1,59
